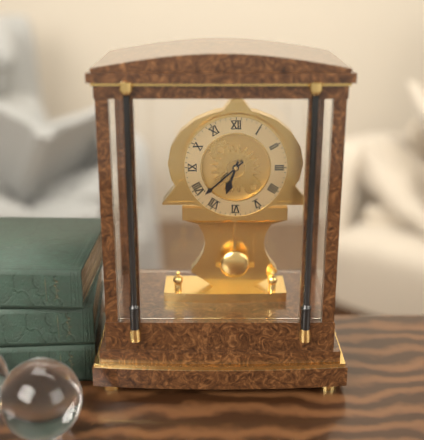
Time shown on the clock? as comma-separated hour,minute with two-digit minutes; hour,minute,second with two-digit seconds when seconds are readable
6,38
